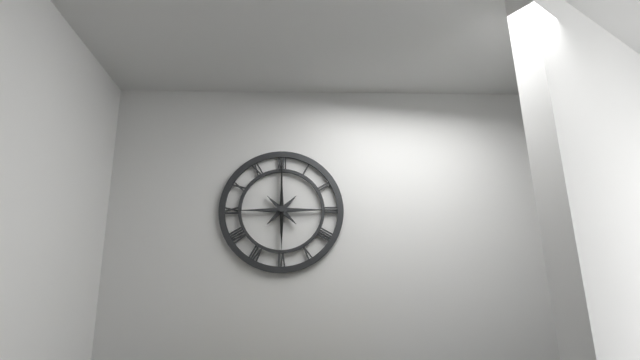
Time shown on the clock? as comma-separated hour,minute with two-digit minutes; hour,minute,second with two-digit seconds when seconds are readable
6,00
